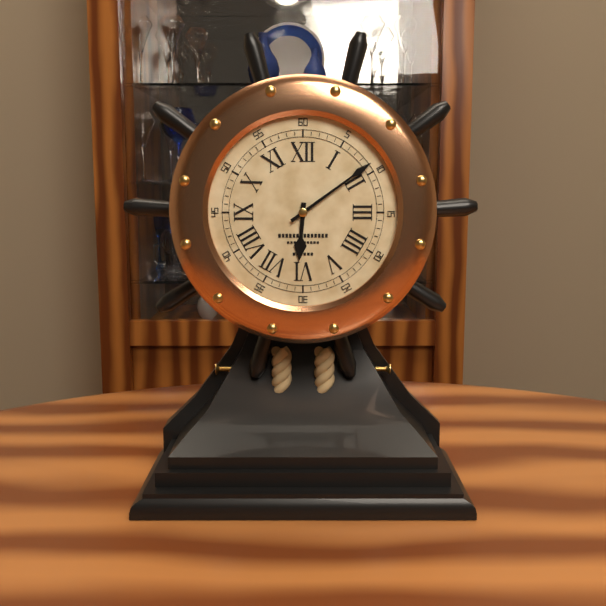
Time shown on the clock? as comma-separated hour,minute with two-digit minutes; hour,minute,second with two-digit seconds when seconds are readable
6,09
